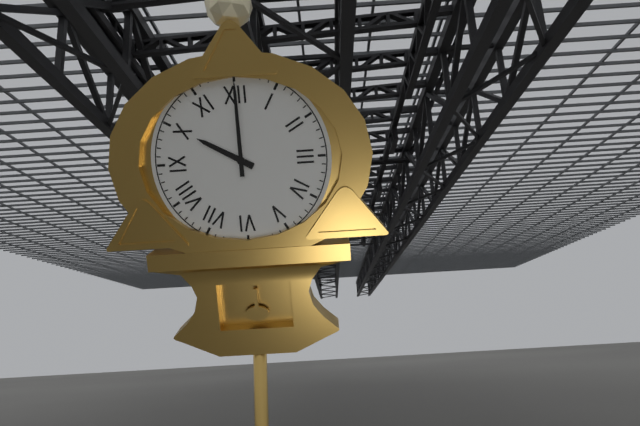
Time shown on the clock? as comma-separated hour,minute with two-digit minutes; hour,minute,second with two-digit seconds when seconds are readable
10,00
